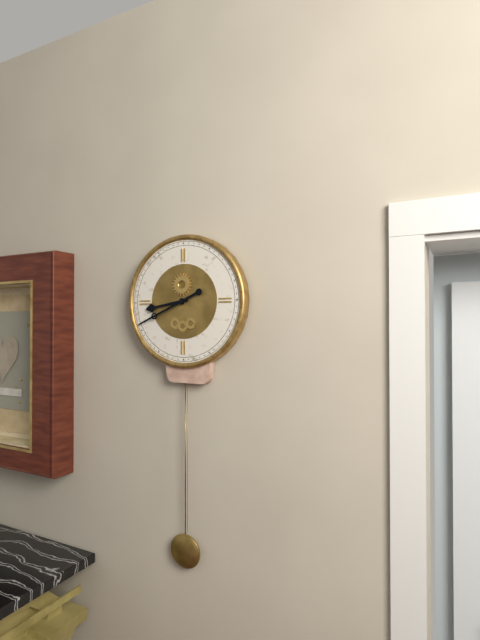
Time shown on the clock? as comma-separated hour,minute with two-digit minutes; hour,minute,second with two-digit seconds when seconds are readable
8,41
